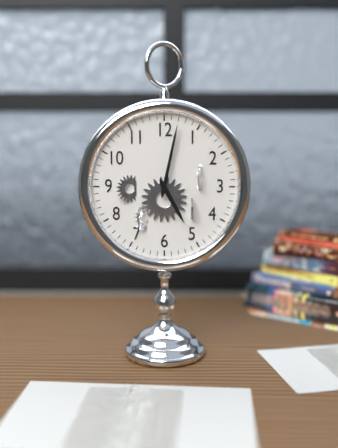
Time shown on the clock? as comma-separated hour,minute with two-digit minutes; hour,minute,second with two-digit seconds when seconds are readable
5,02
